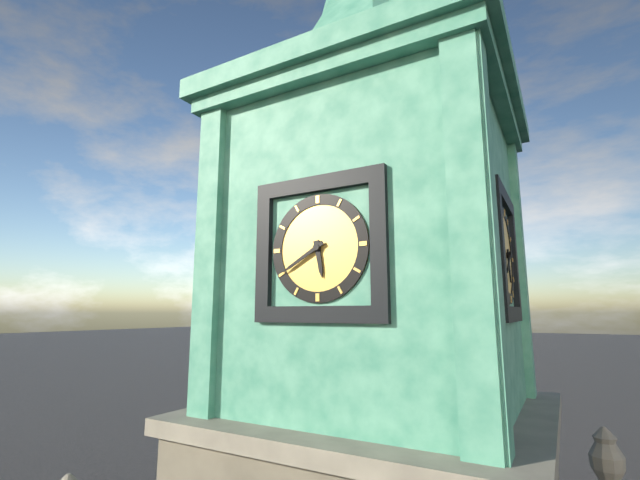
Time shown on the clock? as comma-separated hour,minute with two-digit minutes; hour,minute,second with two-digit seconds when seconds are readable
5,40
